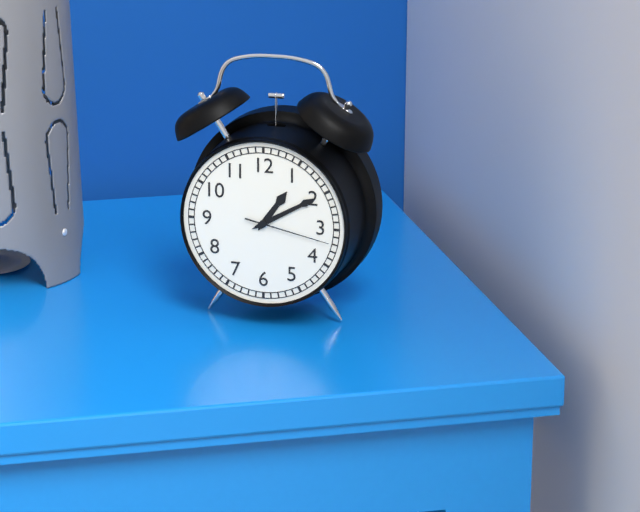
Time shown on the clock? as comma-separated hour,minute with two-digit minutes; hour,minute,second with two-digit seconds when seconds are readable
1,10,17
